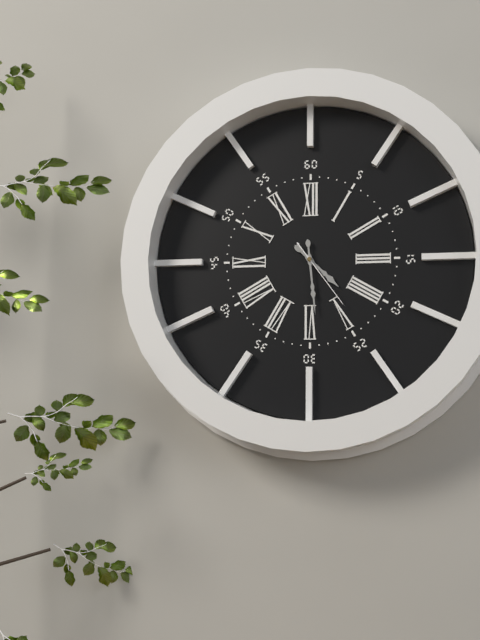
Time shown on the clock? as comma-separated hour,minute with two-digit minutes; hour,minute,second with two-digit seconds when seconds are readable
4,29,24
